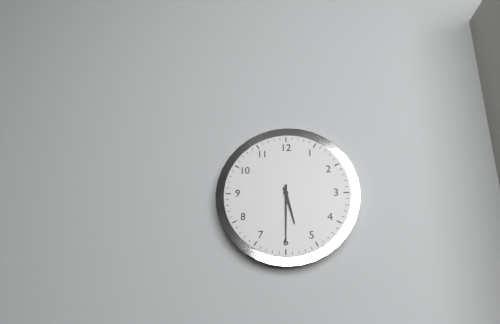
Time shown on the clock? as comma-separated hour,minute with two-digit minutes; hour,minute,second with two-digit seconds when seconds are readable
5,30
